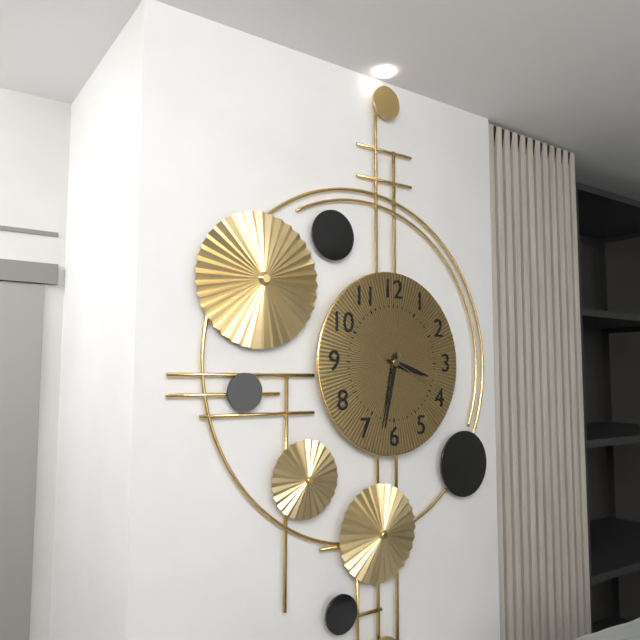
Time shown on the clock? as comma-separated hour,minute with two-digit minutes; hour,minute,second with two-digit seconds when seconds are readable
3,32,19
